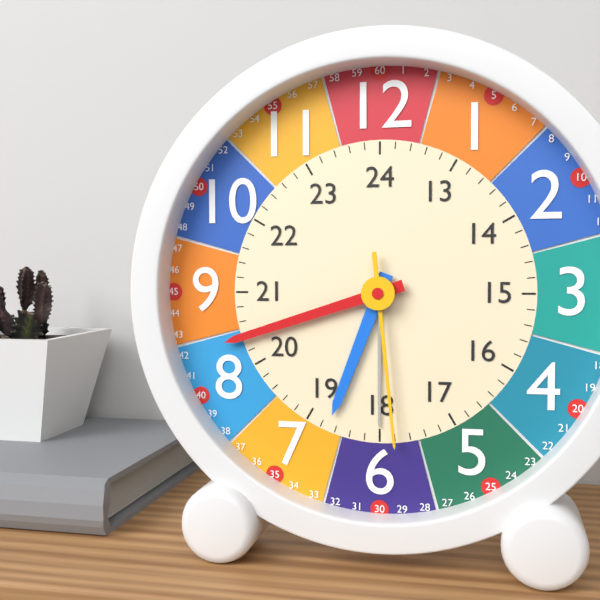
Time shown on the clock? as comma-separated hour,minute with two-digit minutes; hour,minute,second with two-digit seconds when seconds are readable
6,42,29
